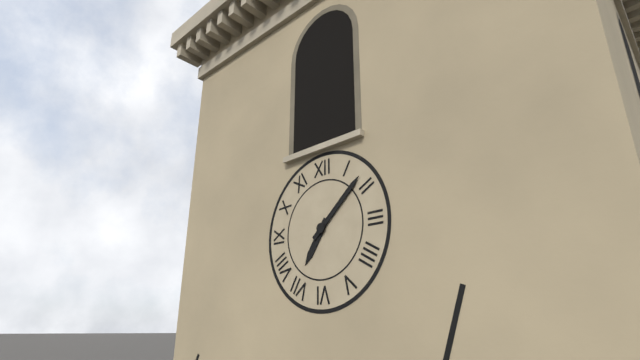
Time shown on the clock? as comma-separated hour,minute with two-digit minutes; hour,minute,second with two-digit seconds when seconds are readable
7,08
